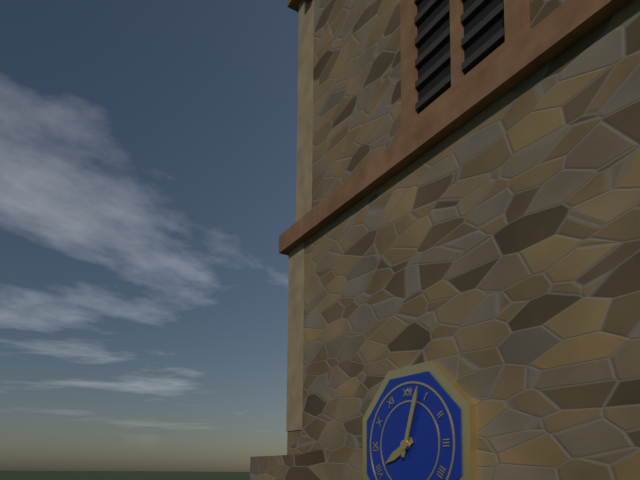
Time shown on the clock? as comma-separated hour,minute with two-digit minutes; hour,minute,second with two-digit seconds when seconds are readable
8,03
